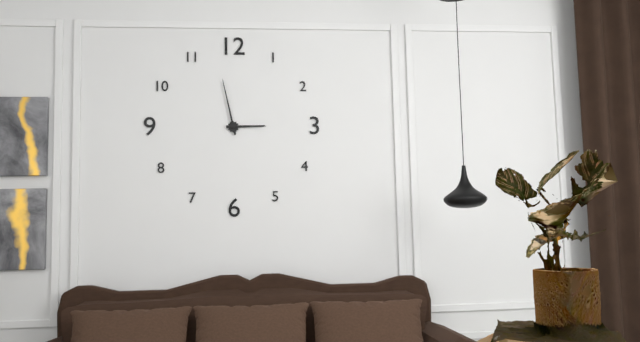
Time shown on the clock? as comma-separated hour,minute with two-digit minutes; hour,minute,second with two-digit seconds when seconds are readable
2,58
